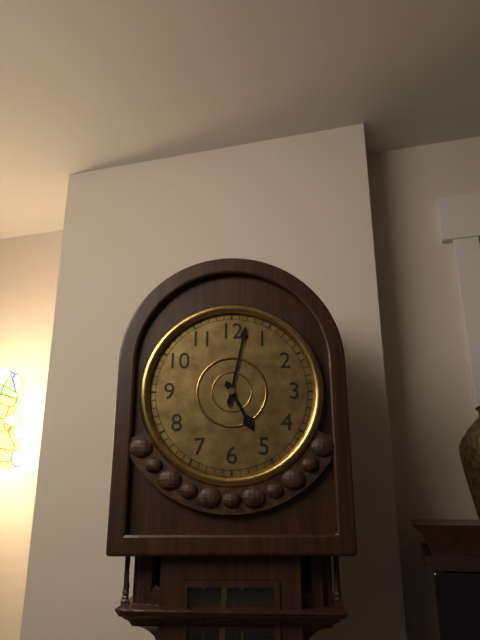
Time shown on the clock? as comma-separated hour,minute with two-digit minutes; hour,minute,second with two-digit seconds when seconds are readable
5,02
